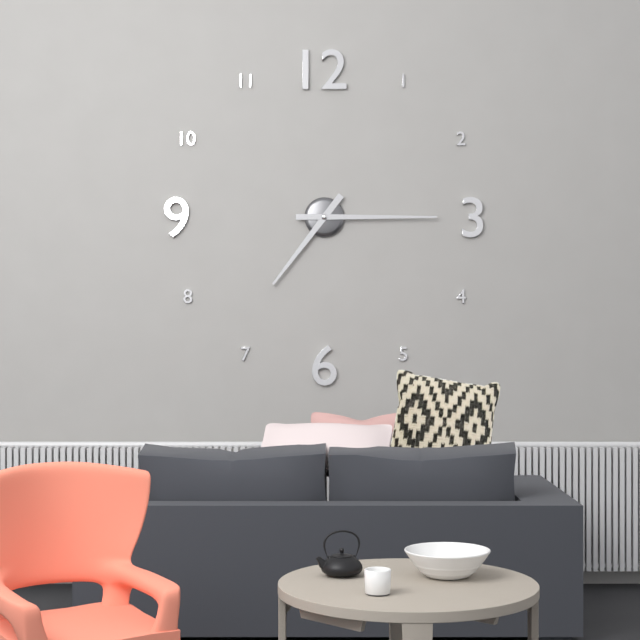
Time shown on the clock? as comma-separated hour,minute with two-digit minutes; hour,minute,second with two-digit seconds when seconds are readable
7,15
